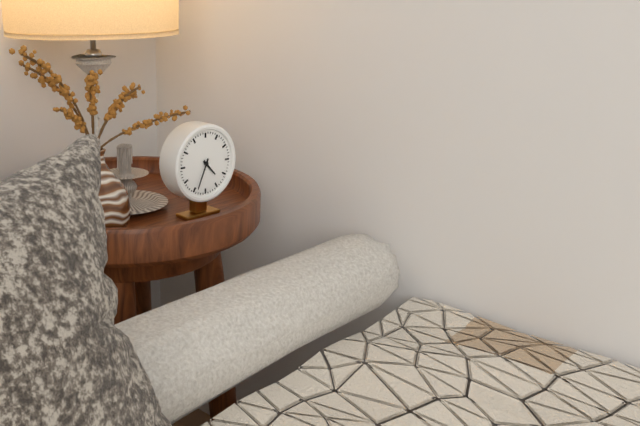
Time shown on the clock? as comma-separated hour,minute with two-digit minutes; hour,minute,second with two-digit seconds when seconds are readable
4,34
